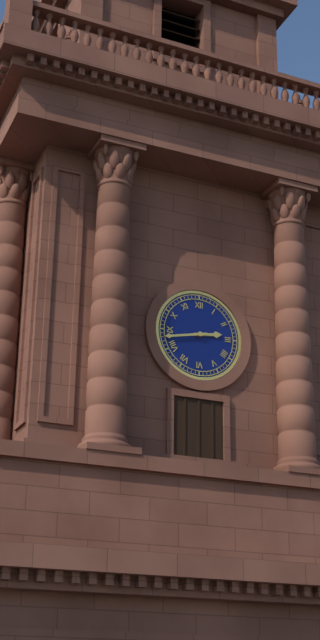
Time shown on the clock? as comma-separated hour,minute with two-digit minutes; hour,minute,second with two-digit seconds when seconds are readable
2,43
